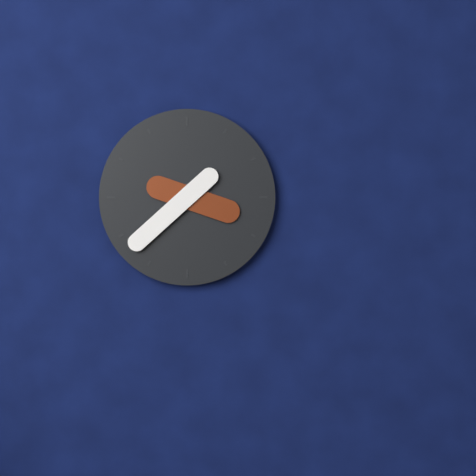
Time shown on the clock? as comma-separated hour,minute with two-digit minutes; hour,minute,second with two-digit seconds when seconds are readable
3,38
